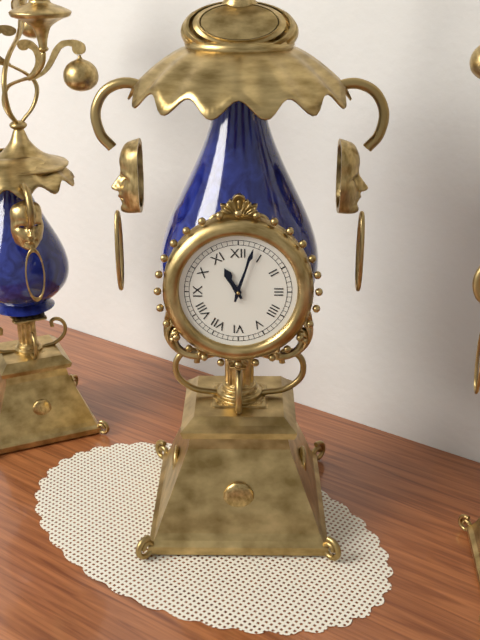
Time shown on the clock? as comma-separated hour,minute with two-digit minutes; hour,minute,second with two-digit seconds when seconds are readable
11,03
